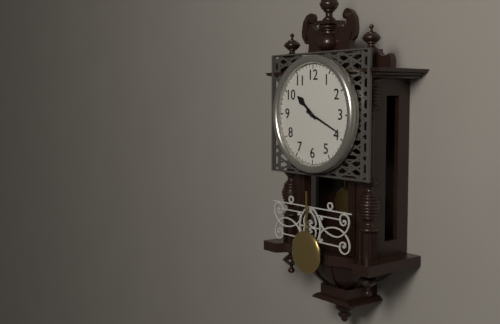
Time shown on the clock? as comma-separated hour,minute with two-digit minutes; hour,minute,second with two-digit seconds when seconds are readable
10,19
